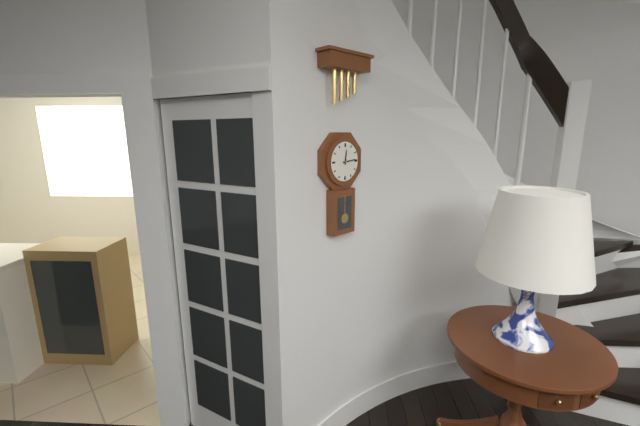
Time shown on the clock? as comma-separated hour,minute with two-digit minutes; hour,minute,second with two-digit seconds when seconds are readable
12,14
